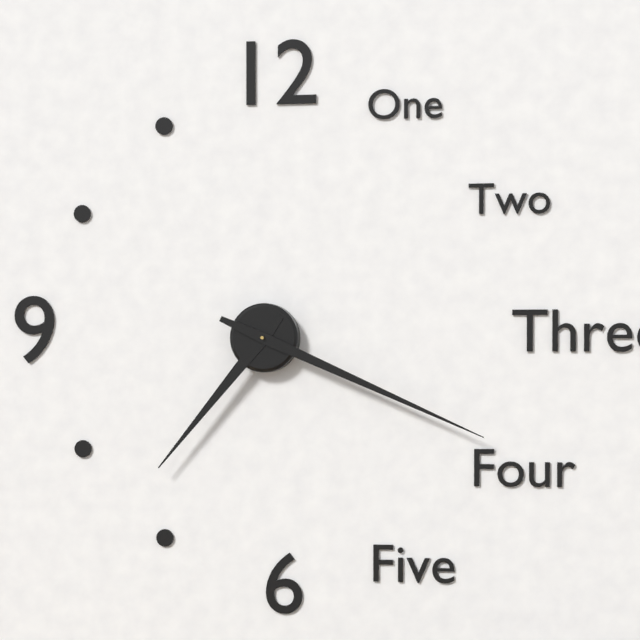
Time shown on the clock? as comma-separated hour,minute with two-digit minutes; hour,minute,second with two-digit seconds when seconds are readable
7,19
